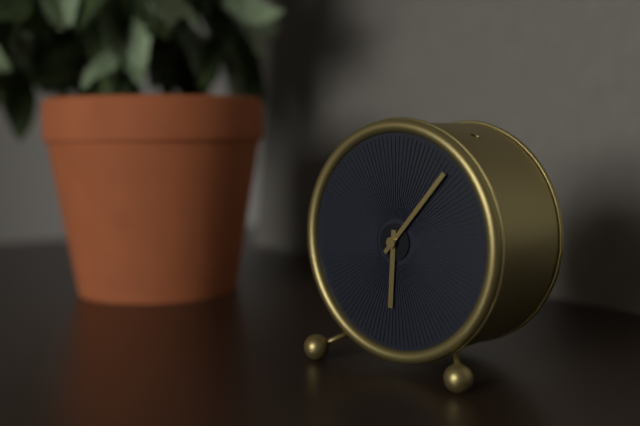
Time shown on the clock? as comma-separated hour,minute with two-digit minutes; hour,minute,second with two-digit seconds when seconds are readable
6,07
